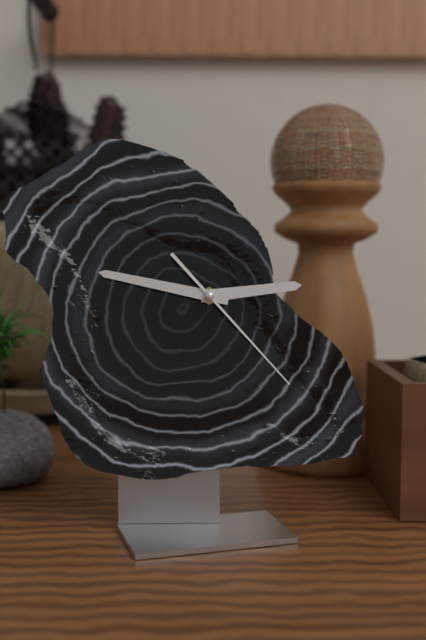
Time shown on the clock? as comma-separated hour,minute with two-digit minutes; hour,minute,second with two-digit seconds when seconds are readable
2,47,23
